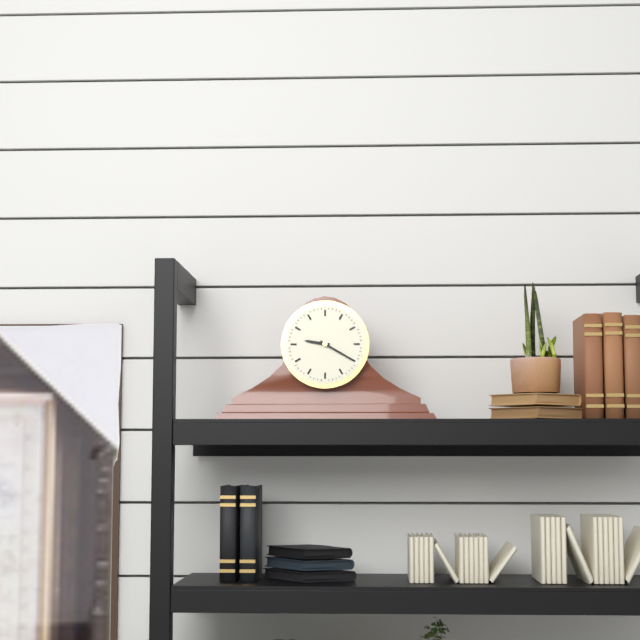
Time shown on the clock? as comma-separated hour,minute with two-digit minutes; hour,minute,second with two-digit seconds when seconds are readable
9,20
